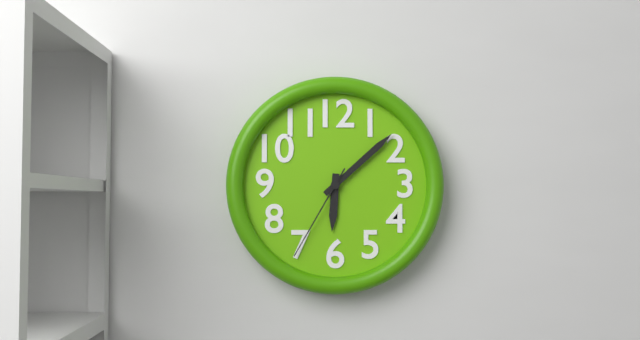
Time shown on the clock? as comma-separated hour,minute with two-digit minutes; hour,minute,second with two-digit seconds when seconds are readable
6,08,35
